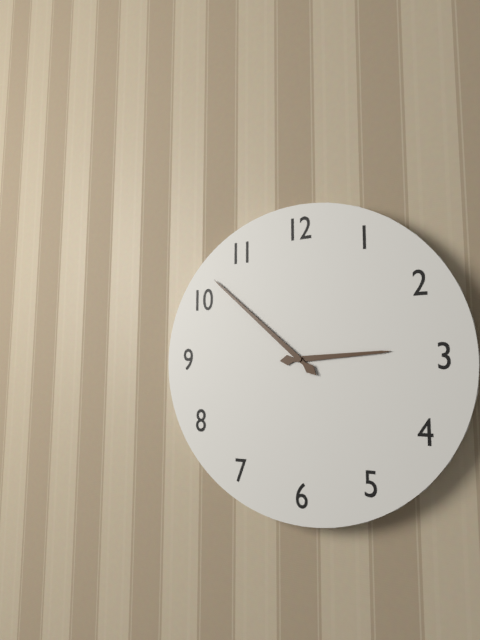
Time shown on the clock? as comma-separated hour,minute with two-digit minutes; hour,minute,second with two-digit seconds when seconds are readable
2,52
